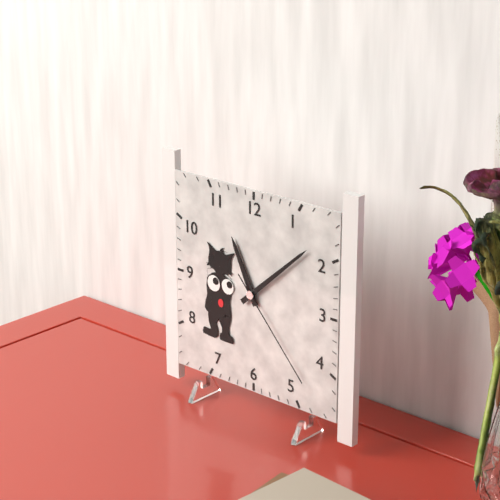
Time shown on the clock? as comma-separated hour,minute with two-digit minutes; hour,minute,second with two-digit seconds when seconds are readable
11,08,23
